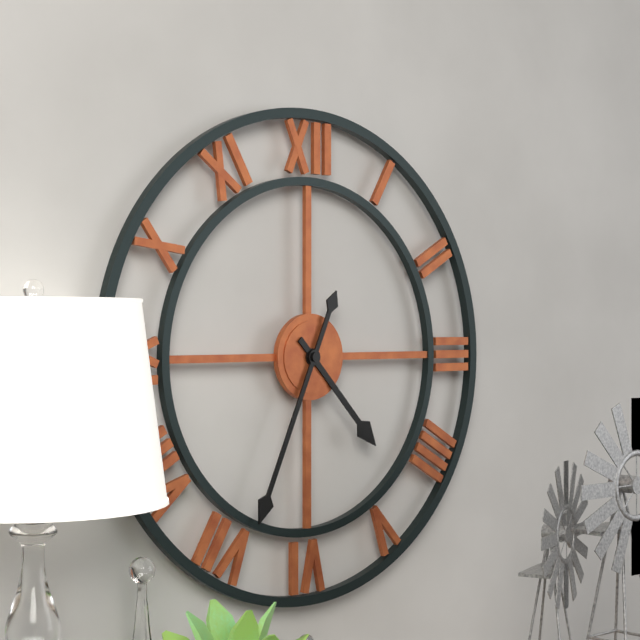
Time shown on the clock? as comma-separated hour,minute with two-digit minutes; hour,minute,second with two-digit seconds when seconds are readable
4,34
